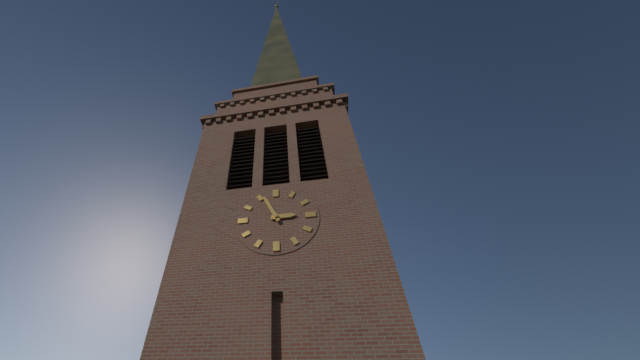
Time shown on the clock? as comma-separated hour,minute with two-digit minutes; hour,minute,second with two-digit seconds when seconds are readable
2,56
